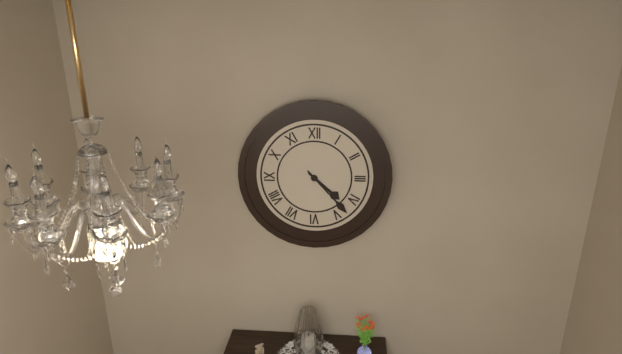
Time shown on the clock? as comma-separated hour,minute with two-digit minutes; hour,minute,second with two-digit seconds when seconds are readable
4,23
